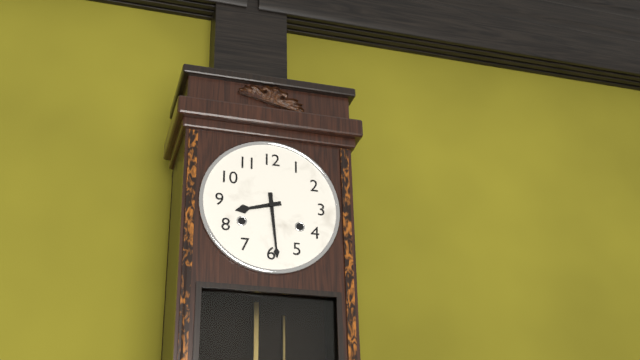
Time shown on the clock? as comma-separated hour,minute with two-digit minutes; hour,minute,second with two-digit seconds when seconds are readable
8,29
